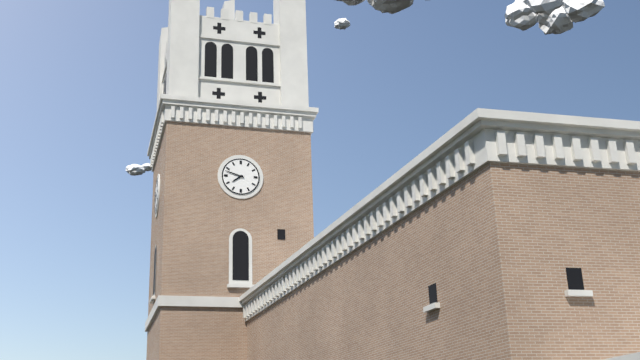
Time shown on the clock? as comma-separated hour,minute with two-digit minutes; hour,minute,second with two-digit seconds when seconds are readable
7,48
